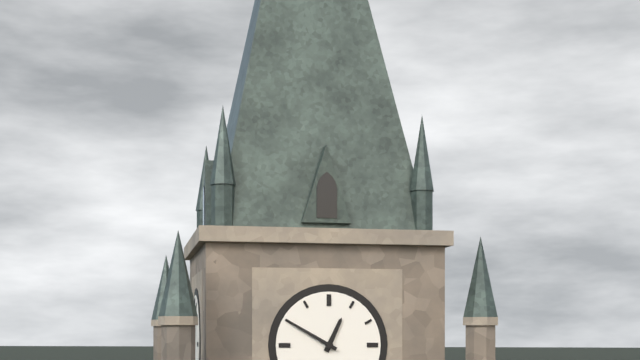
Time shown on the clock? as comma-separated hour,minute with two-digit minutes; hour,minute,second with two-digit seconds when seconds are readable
12,50
